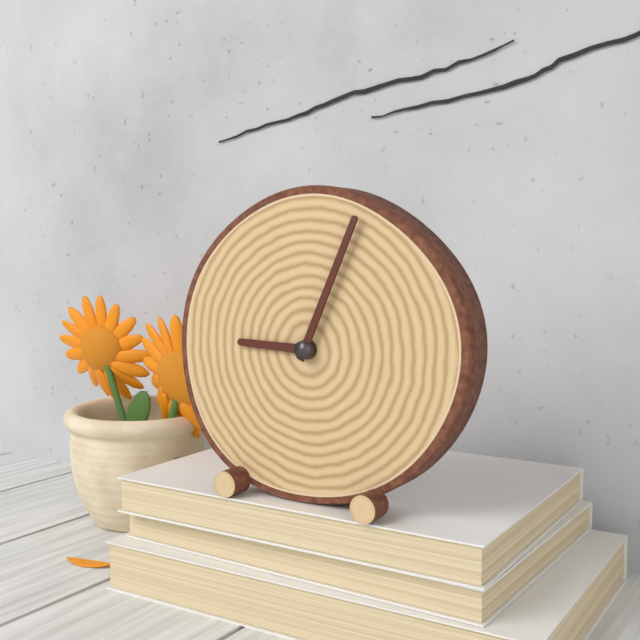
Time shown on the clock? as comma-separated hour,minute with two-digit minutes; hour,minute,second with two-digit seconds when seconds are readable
9,04
